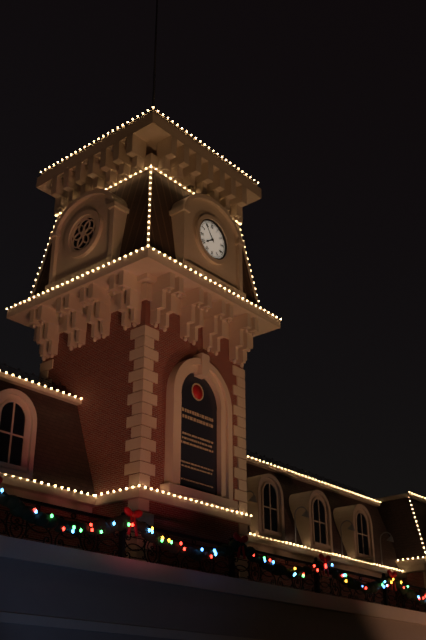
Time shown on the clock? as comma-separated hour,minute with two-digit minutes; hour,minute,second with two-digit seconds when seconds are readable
7,54
